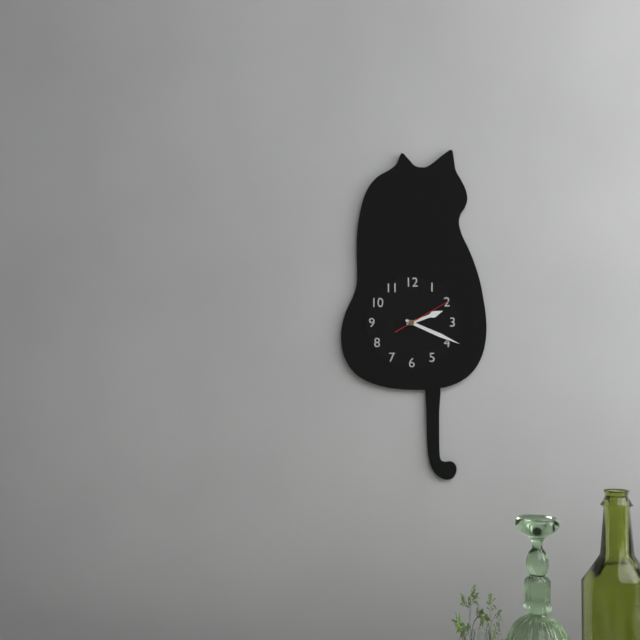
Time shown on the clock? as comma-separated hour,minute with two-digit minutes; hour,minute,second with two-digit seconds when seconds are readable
2,19,10
